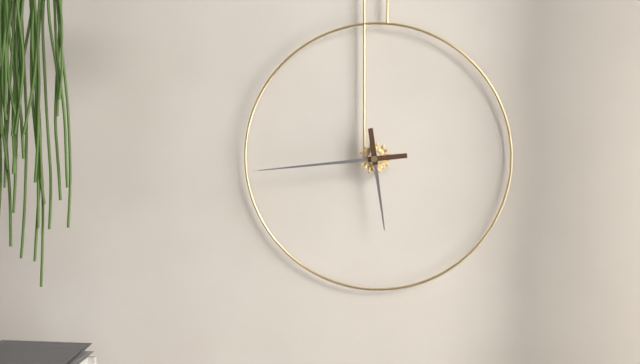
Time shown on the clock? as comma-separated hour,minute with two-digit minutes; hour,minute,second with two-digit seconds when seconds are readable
5,44
